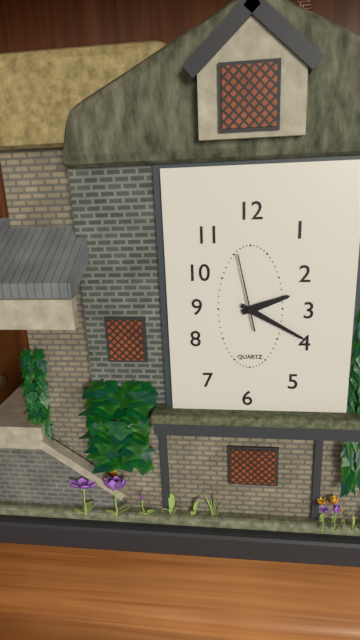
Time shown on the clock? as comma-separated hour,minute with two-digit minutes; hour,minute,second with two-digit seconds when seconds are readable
2,20,58
